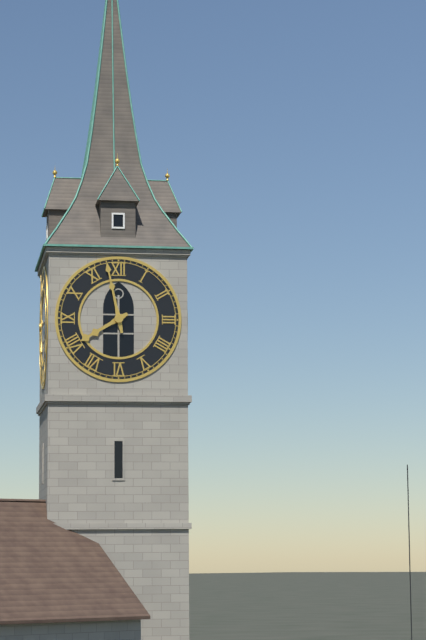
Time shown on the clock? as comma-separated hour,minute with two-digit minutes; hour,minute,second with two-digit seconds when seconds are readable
7,58
